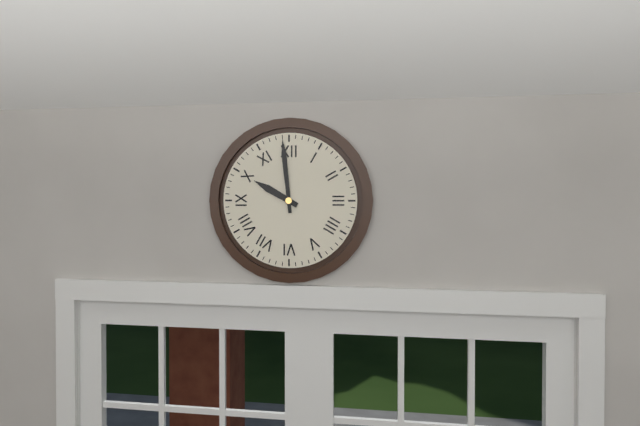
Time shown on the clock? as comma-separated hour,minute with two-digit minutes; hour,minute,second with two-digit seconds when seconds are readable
9,59
